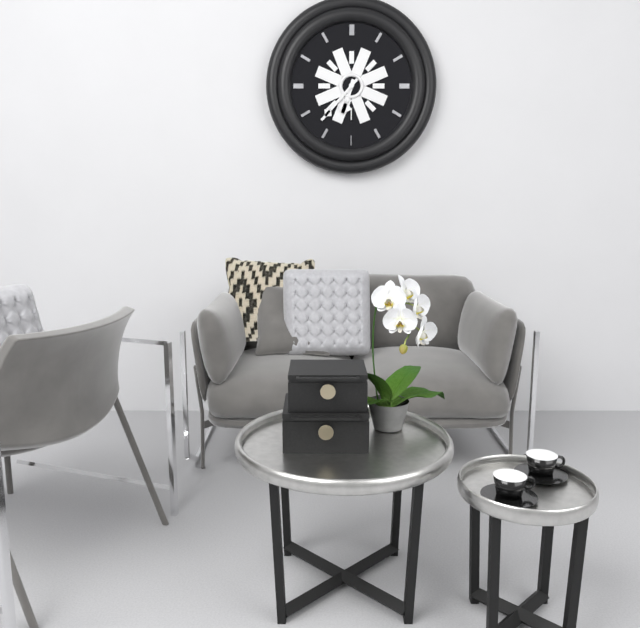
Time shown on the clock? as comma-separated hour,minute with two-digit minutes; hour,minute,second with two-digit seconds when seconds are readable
6,37
